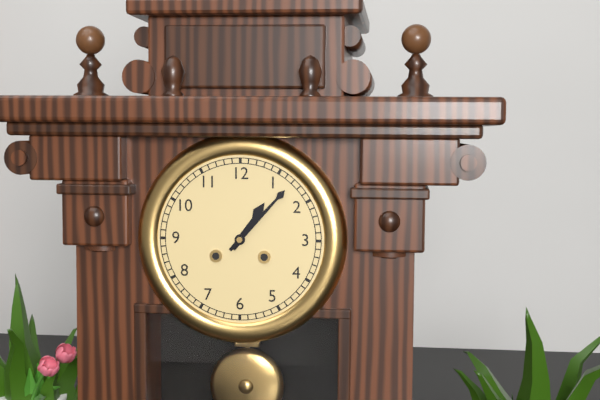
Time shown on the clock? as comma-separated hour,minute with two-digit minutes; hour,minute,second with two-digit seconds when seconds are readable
1,07
